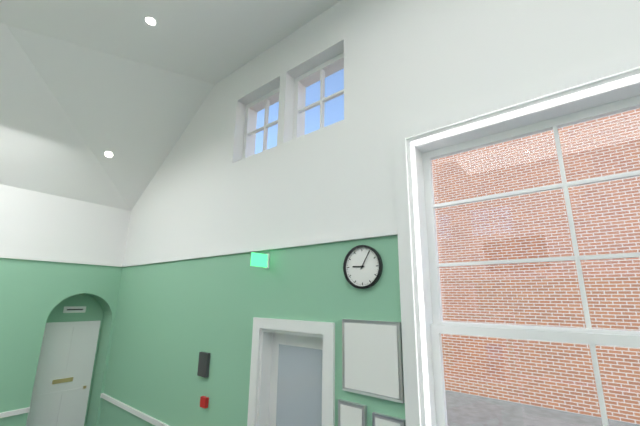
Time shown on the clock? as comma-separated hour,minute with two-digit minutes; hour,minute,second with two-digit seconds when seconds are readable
9,05
